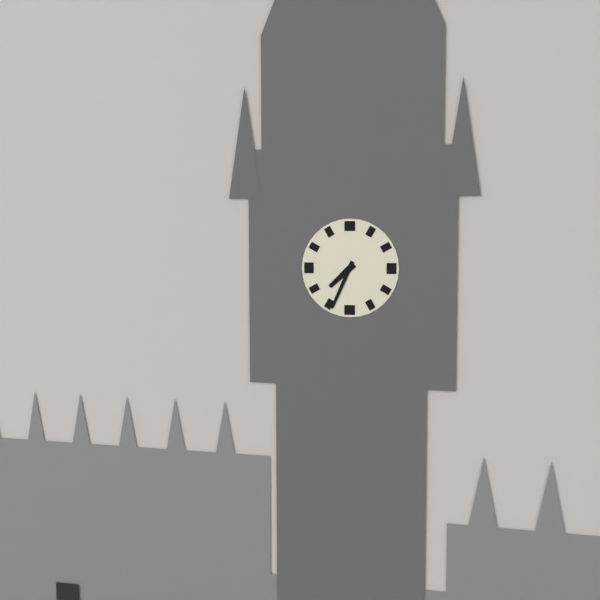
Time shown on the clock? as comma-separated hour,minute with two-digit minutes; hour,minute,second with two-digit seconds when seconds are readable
7,34
